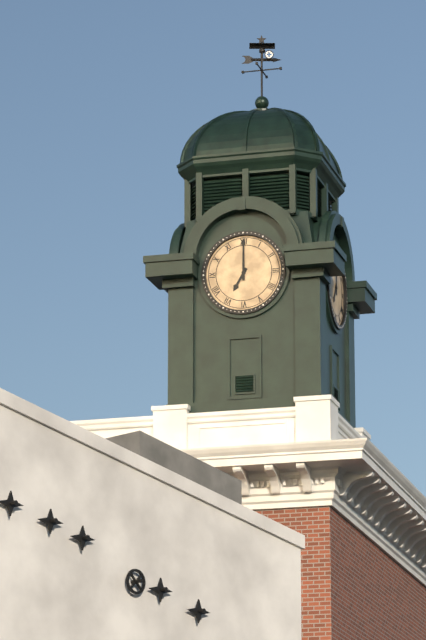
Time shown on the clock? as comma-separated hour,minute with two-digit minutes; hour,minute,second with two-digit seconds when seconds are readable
7,00
